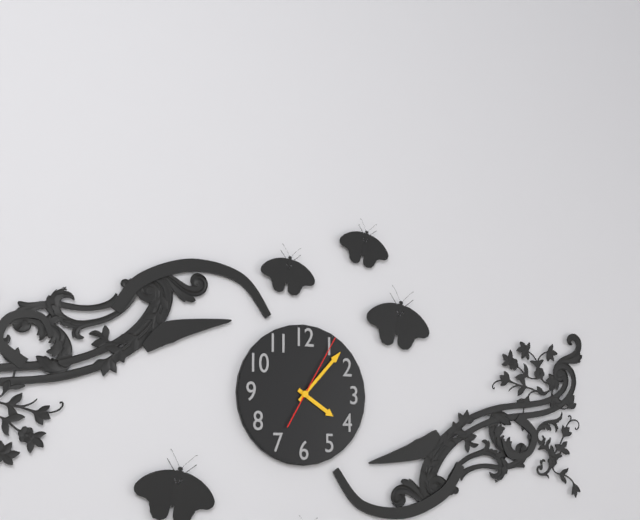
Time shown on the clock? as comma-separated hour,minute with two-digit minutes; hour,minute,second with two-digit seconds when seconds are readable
4,07,05
